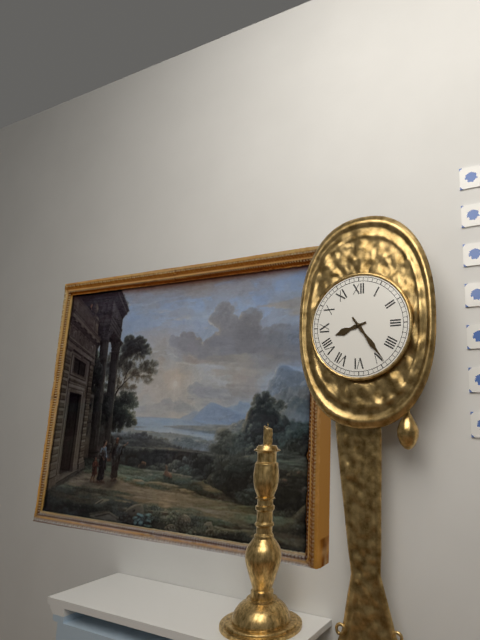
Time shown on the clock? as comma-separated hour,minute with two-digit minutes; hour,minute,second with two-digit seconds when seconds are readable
8,24
